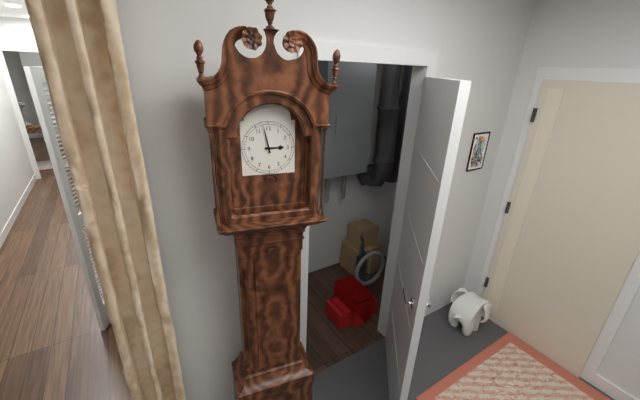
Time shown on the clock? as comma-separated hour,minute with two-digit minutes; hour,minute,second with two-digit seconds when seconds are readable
2,58
